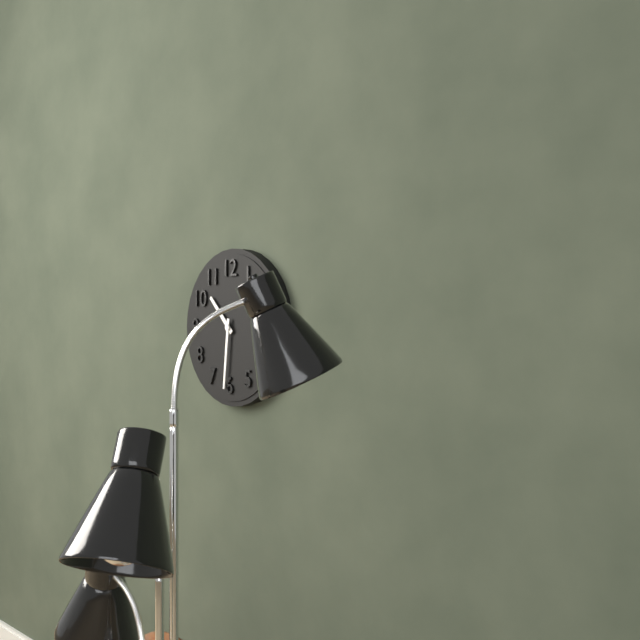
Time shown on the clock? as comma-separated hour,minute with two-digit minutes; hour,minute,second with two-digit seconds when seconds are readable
10,31
